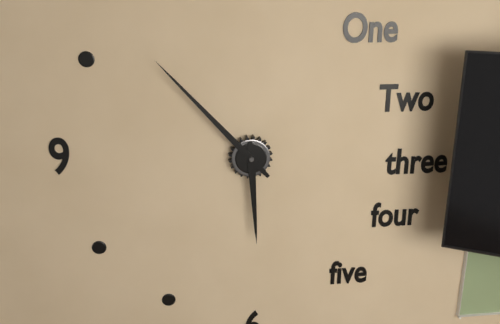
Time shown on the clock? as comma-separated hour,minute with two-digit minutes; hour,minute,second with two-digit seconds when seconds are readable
5,53
